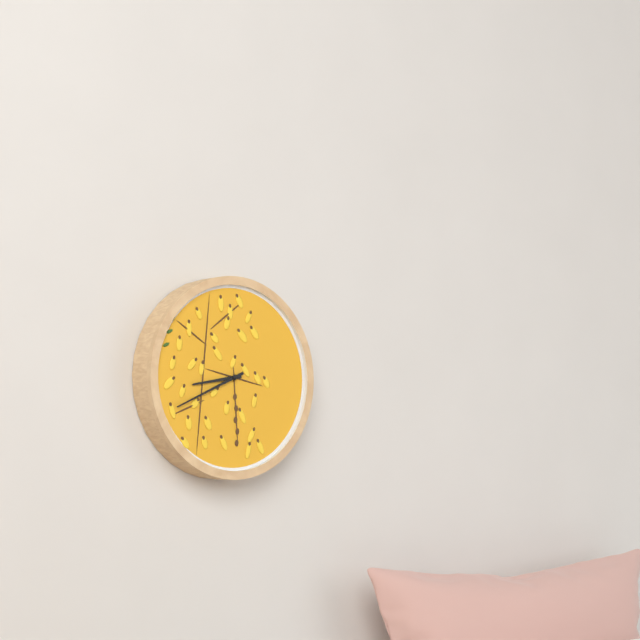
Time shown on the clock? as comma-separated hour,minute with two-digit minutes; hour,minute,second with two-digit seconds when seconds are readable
8,41
